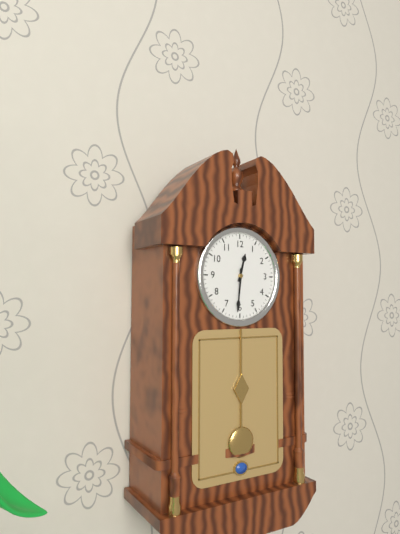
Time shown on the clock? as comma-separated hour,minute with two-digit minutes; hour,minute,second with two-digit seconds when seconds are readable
12,31
